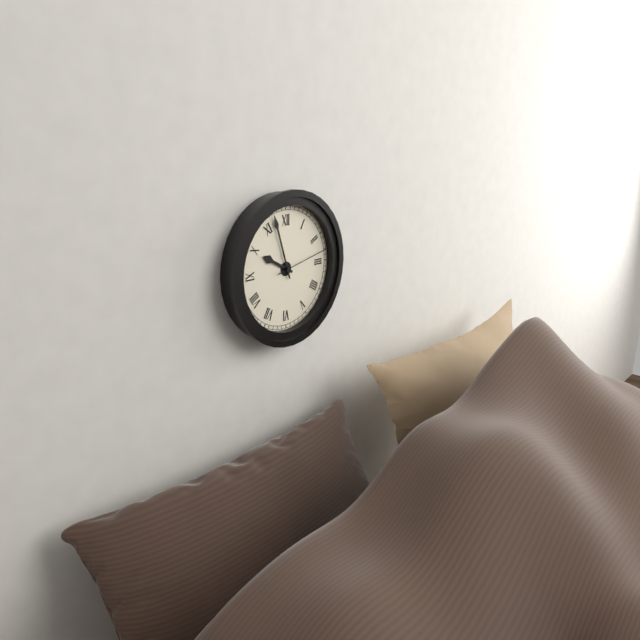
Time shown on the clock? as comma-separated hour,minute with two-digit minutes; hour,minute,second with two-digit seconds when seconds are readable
9,57,13
